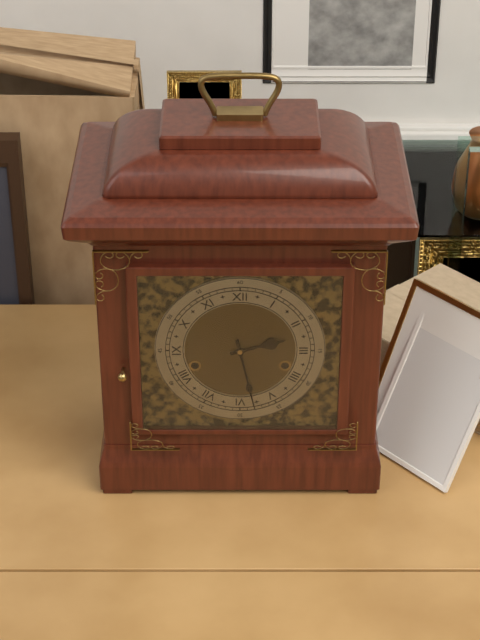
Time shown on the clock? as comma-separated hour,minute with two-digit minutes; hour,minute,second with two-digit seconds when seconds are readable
2,28
